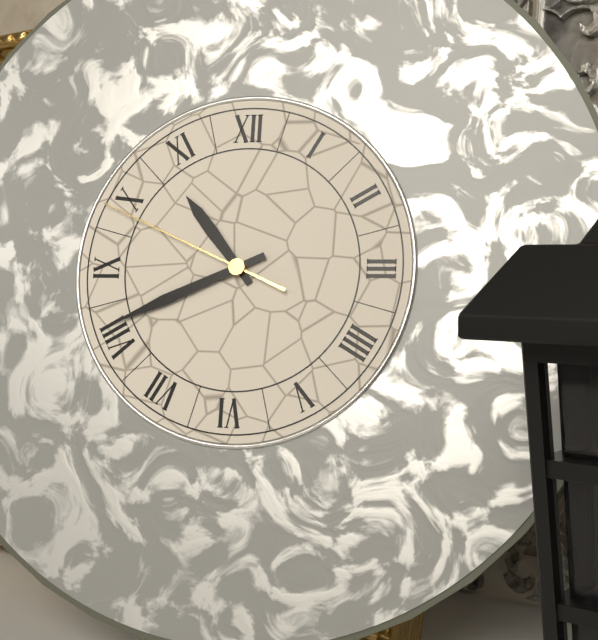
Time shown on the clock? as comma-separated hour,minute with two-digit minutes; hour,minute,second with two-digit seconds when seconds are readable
10,41,49
